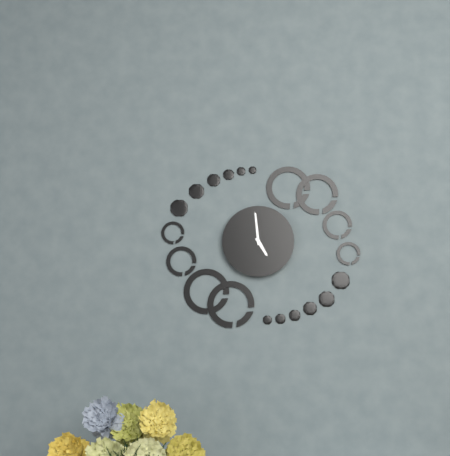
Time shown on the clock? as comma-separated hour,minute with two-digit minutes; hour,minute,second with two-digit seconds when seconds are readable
4,59
